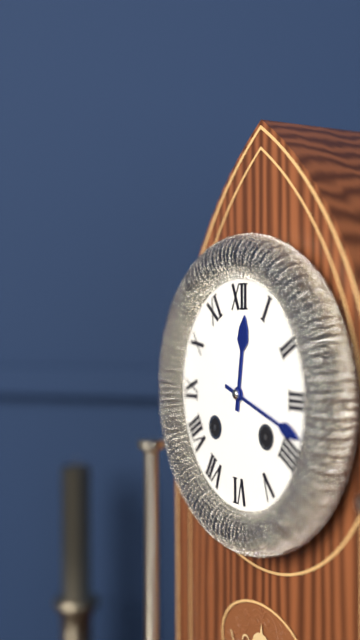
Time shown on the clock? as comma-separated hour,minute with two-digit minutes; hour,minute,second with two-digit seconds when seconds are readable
12,18
